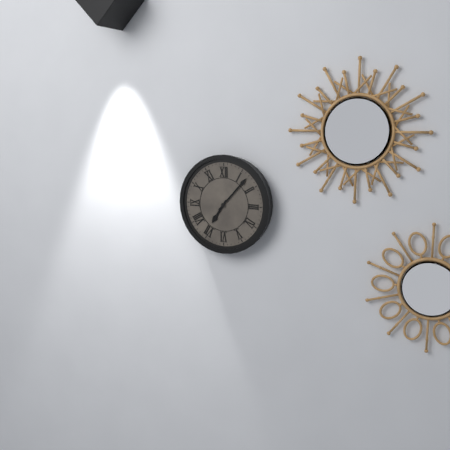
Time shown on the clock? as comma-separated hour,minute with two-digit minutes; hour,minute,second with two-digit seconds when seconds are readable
7,07
